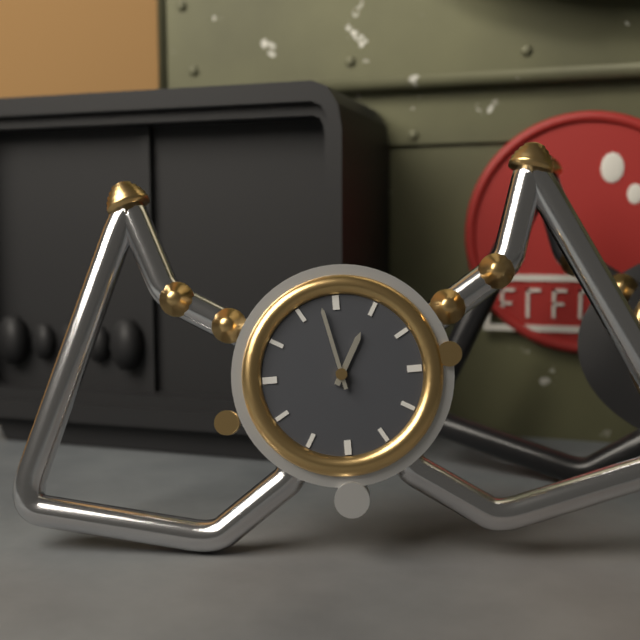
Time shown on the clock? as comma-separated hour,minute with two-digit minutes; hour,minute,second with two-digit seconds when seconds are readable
12,58
